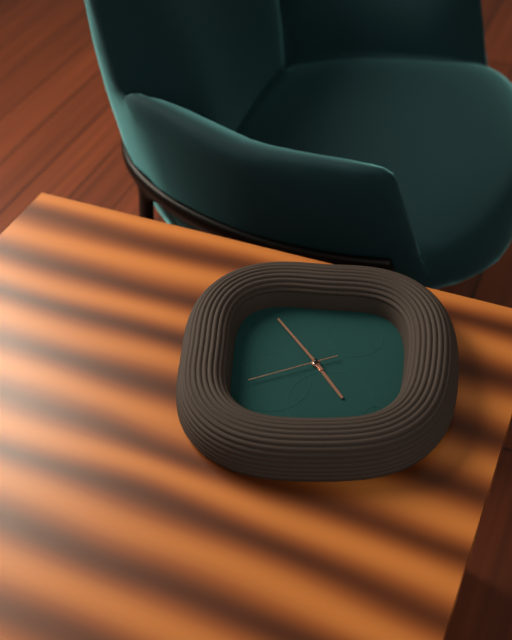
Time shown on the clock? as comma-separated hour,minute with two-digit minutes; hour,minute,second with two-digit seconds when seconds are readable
4,54,41
